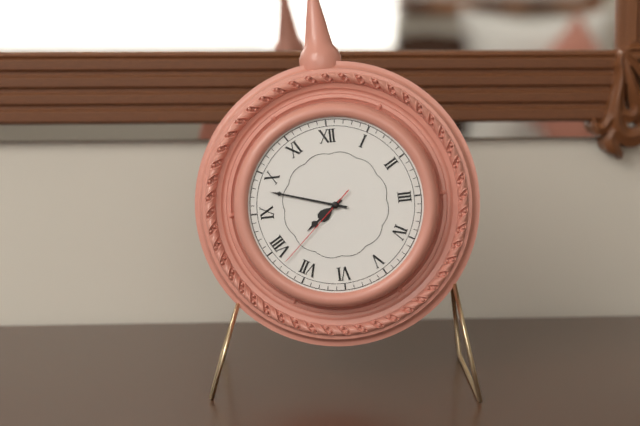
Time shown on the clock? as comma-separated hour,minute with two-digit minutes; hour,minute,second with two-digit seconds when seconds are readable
7,48,38
